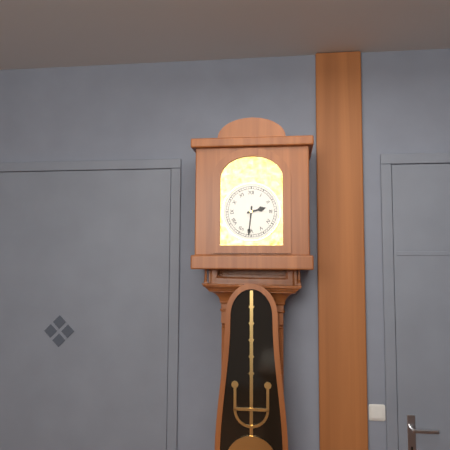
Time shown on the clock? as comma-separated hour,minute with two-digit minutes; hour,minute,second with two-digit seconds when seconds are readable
2,31
